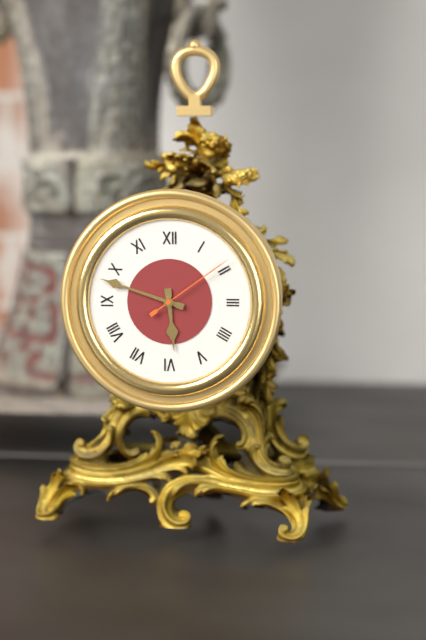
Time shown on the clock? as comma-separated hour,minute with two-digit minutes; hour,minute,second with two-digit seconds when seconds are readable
5,48,09
